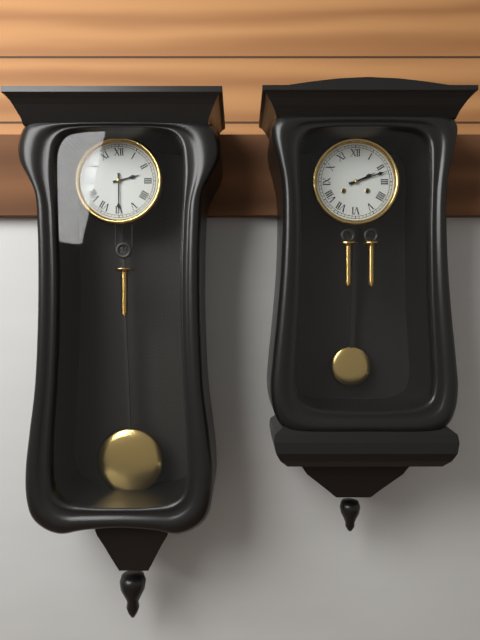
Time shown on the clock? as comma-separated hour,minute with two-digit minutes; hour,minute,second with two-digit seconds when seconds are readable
2,30
